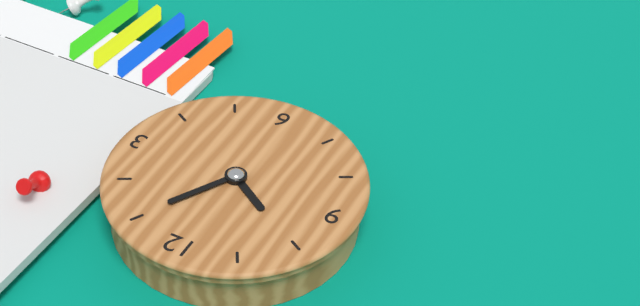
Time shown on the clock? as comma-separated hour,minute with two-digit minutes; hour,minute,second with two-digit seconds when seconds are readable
10,05
